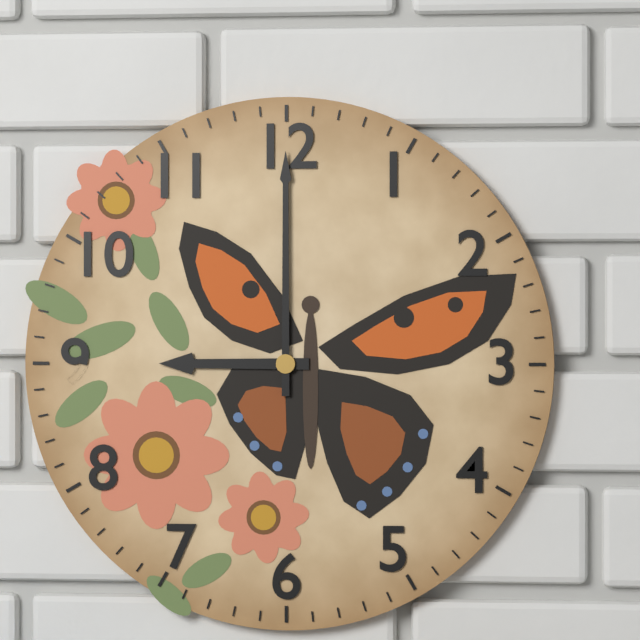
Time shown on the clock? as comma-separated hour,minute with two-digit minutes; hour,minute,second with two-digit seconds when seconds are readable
9,00
